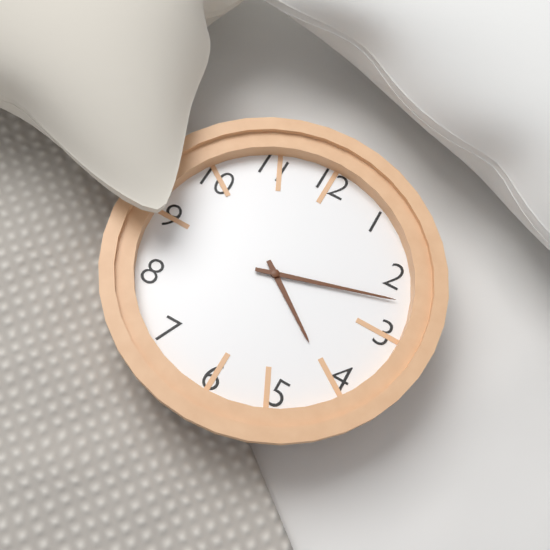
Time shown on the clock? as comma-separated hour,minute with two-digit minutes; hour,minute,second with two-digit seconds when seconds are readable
4,12
